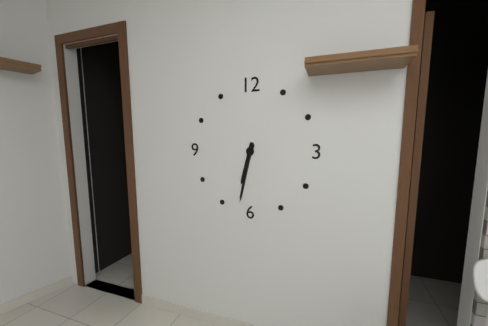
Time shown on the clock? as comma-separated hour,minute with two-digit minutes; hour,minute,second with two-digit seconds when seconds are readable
6,32
